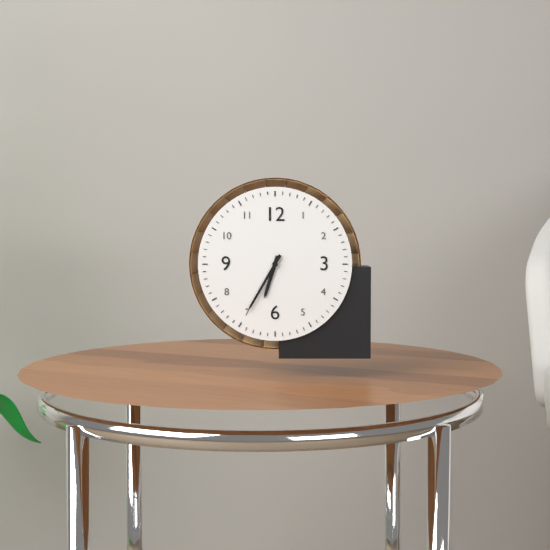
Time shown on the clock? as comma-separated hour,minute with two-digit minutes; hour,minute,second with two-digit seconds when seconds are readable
6,35
